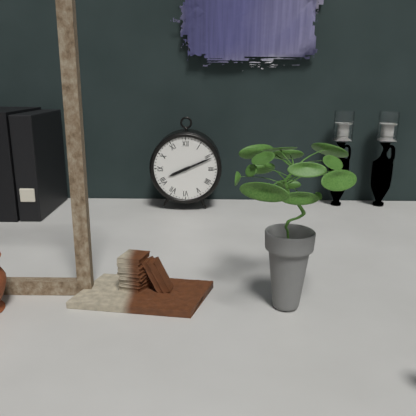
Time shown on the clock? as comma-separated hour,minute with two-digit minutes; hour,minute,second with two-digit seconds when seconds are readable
8,11
